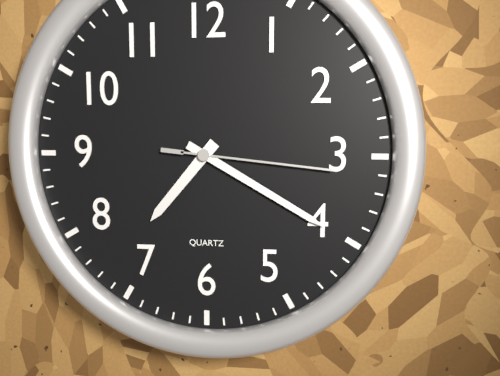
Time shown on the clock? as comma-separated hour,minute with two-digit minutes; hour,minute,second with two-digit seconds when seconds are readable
7,20,16
